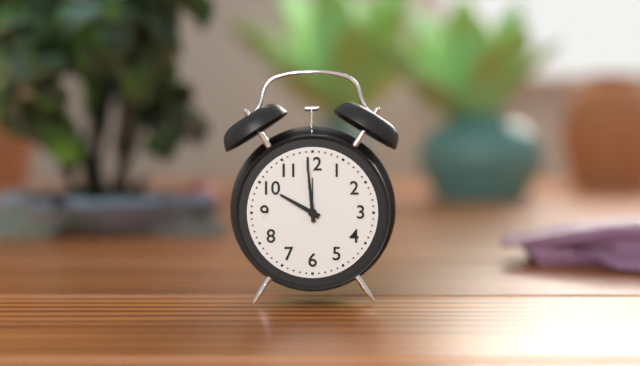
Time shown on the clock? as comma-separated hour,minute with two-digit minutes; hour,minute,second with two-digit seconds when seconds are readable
9,59
